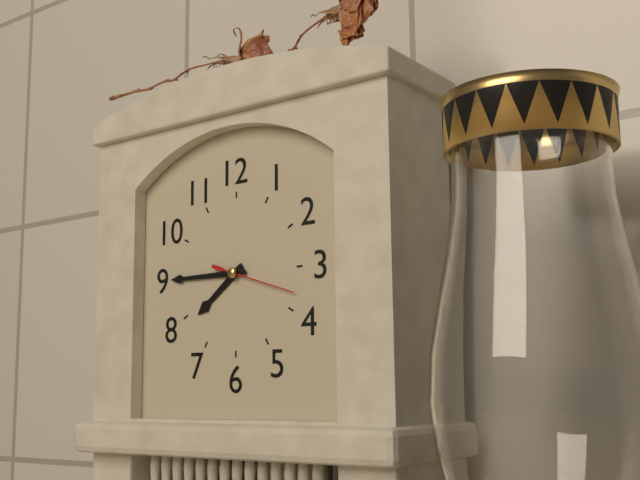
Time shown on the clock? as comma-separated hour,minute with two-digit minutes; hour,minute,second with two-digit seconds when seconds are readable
7,45,18
